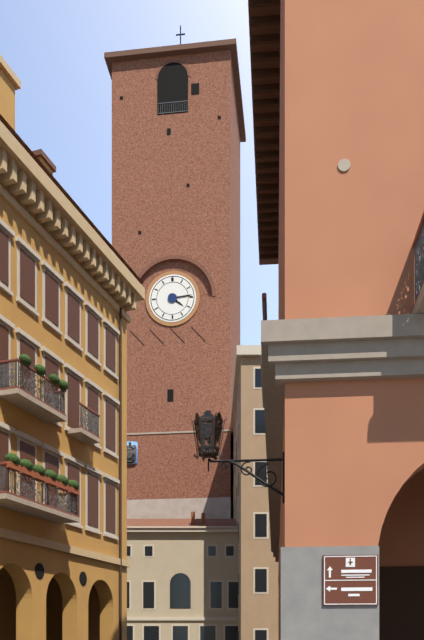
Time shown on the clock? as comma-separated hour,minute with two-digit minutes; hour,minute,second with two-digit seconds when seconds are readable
4,14
